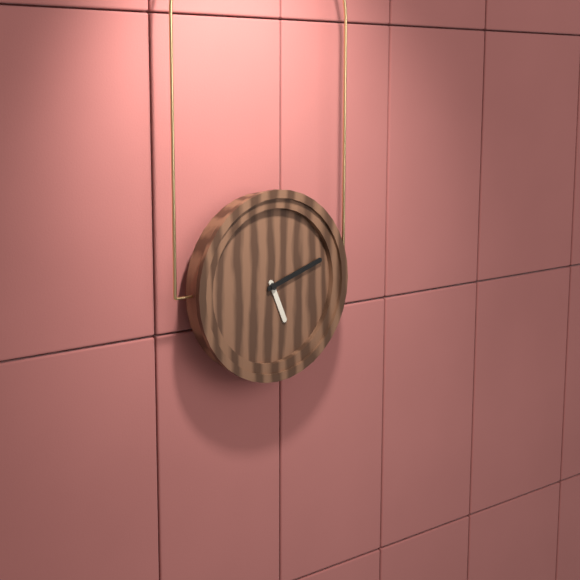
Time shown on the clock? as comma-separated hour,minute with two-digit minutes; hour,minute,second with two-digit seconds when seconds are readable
5,12
